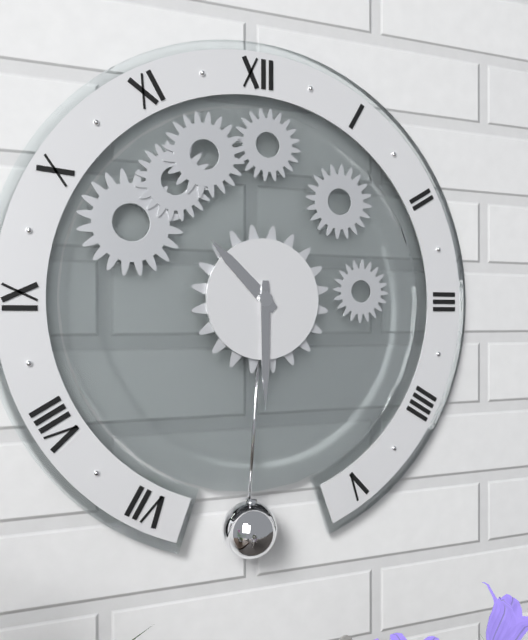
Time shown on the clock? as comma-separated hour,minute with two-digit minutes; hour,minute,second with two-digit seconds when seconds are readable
10,30
